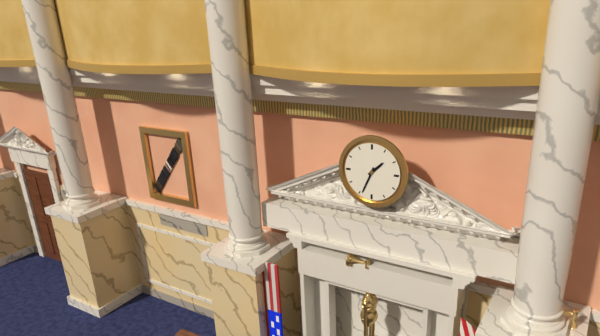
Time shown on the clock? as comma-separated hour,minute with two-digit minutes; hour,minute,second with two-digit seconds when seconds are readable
1,34
